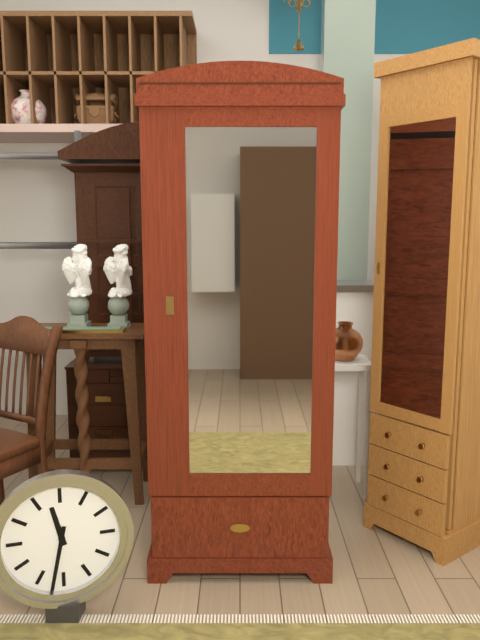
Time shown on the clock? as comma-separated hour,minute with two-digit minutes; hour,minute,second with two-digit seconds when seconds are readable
11,32
